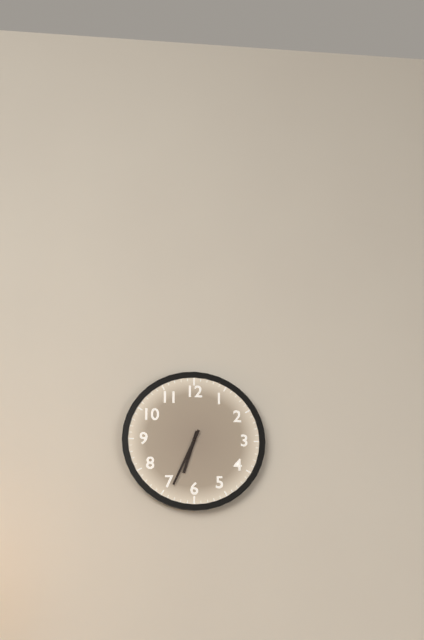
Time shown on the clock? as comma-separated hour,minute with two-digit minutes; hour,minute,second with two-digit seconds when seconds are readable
6,34
